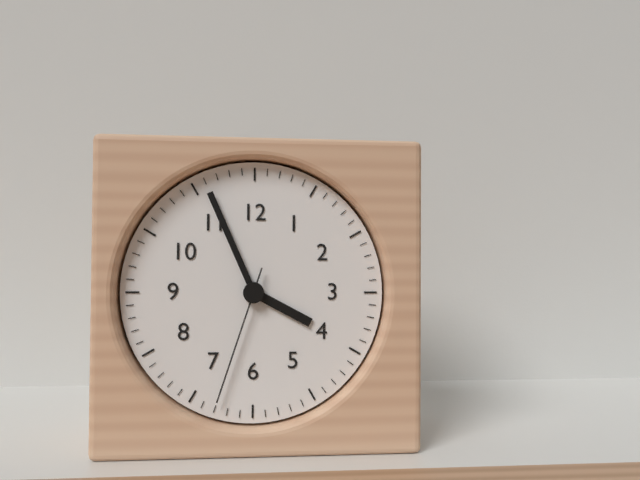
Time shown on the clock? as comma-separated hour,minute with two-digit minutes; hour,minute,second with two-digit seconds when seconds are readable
3,56,33
